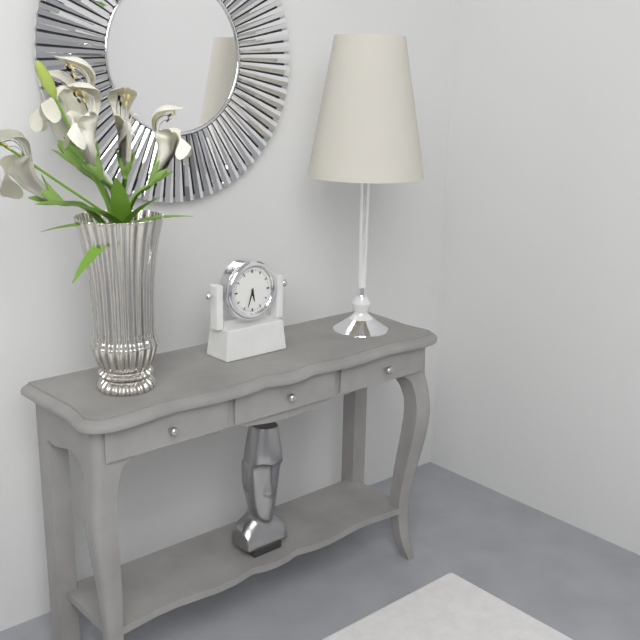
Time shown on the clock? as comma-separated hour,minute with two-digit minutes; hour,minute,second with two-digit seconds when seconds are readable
5,33
